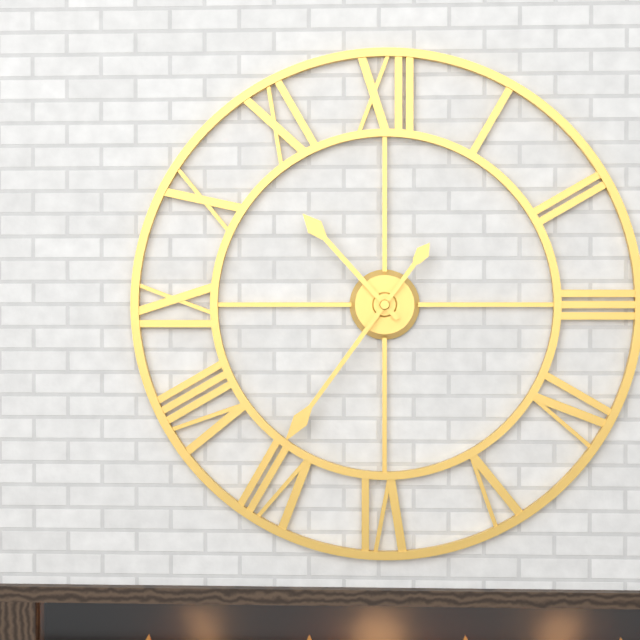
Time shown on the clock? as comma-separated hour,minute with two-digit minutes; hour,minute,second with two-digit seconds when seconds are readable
10,36
